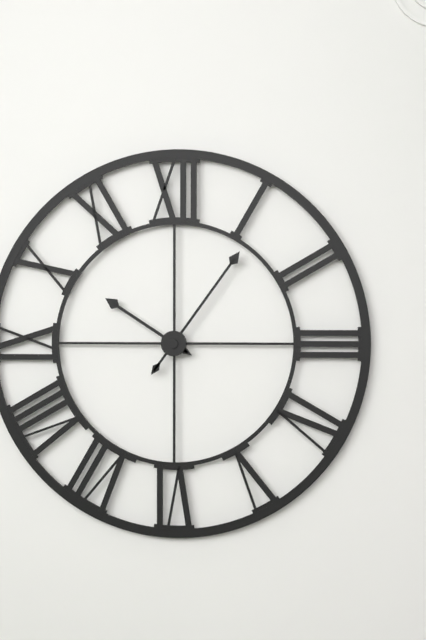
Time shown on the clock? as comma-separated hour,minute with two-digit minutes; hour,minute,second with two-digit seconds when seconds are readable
10,06
